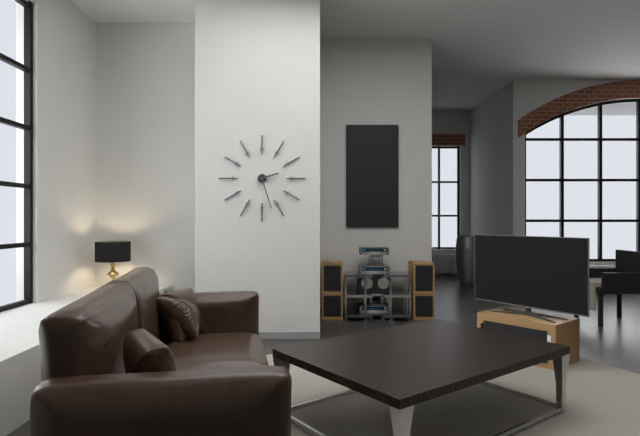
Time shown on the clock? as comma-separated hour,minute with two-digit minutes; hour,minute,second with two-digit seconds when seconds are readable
2,27
